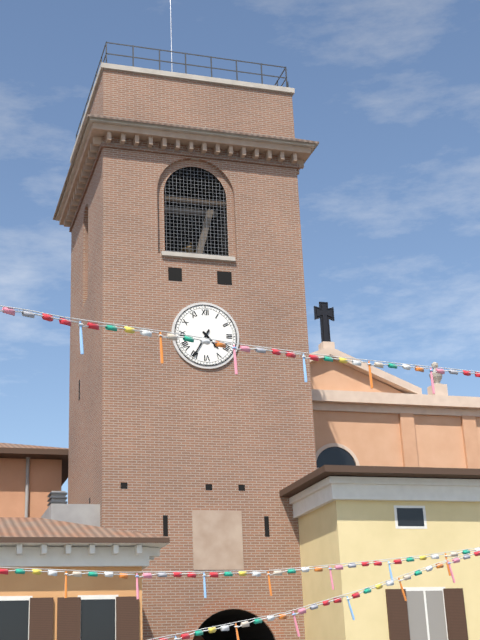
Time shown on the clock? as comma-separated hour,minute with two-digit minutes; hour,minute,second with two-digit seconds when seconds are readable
4,35
